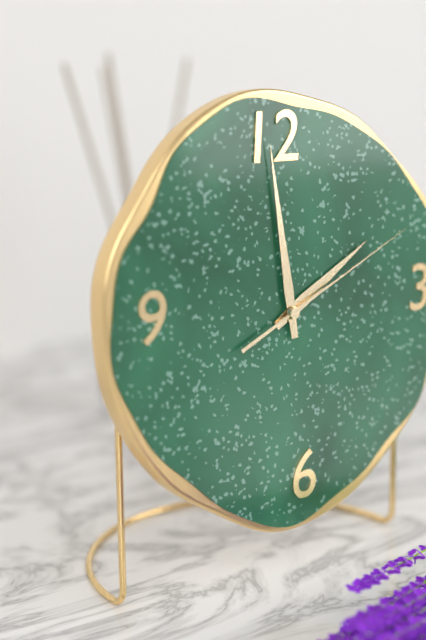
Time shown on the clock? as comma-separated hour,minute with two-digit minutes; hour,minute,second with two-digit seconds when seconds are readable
1,59,11
